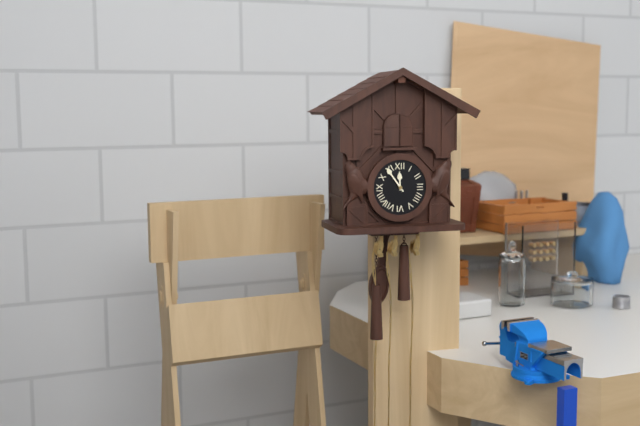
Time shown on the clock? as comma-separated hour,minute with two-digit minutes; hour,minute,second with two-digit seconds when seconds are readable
11,54
